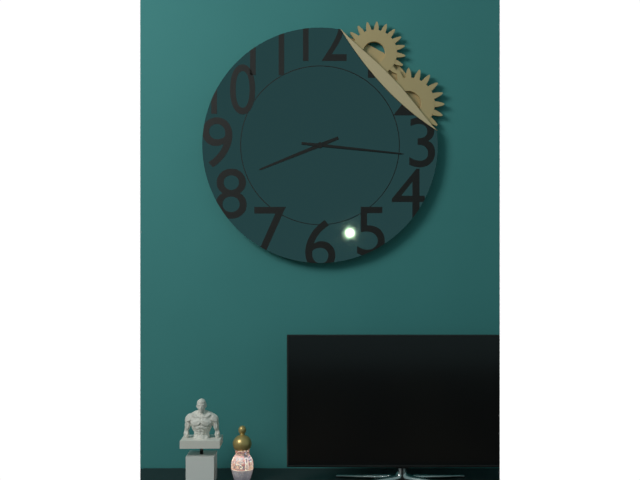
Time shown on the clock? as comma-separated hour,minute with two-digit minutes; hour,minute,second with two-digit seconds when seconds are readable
8,16
